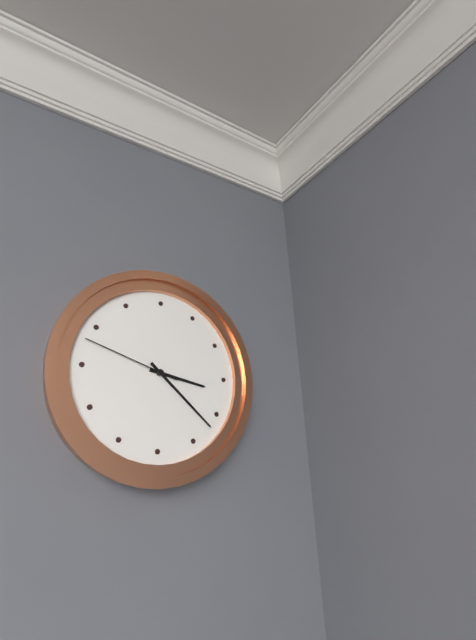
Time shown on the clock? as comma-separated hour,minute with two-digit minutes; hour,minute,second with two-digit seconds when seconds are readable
3,22,48
